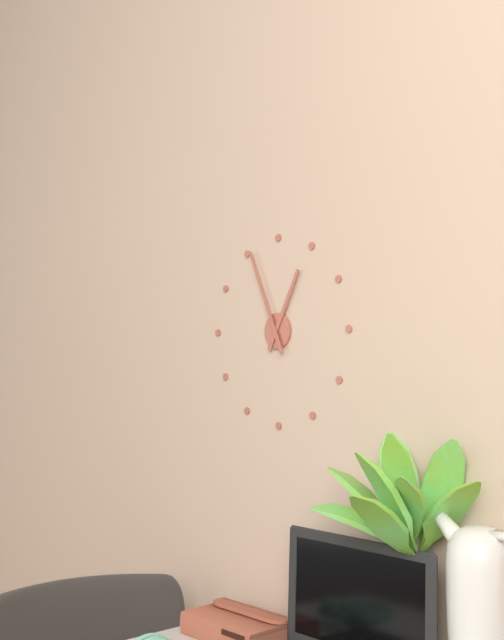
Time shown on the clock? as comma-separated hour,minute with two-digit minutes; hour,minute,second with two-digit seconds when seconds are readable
12,56
